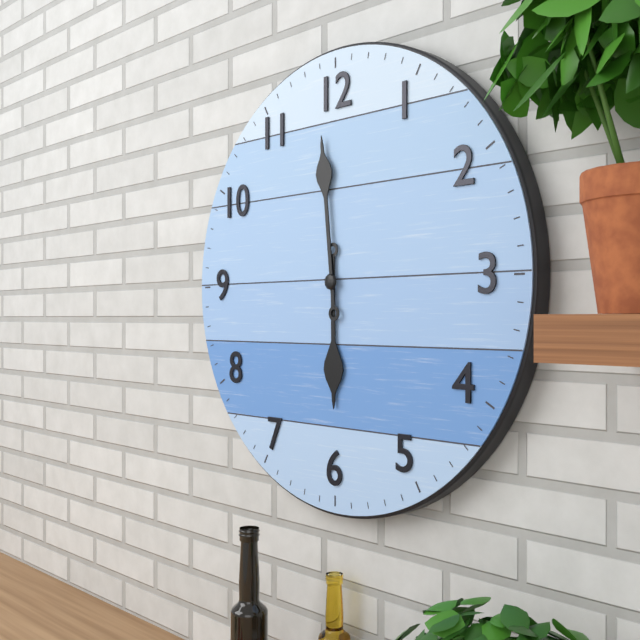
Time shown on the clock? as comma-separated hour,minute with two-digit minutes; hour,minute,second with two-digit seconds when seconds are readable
5,59
